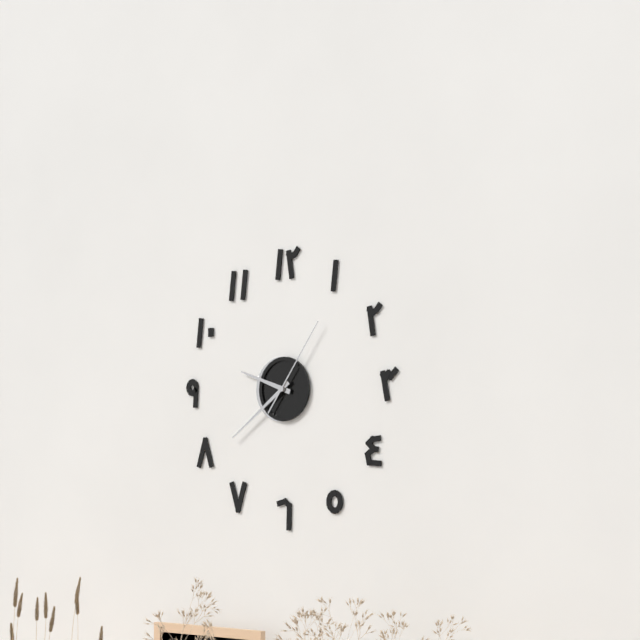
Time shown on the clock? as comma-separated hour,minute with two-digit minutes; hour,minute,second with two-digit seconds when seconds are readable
9,39,06
